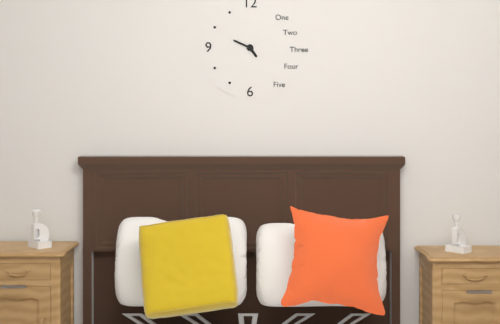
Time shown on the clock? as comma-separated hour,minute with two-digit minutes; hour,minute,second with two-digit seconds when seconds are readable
4,49
